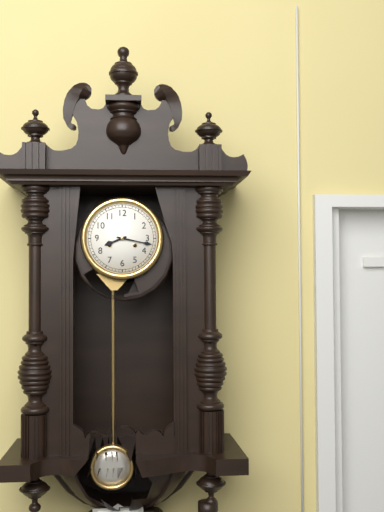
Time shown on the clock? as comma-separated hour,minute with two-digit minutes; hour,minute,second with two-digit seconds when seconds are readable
8,17
